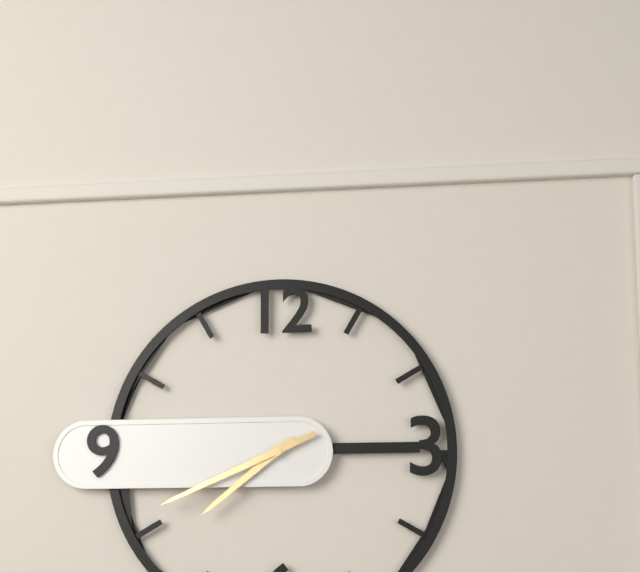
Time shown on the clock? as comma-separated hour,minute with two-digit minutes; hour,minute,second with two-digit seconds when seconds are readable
7,41
